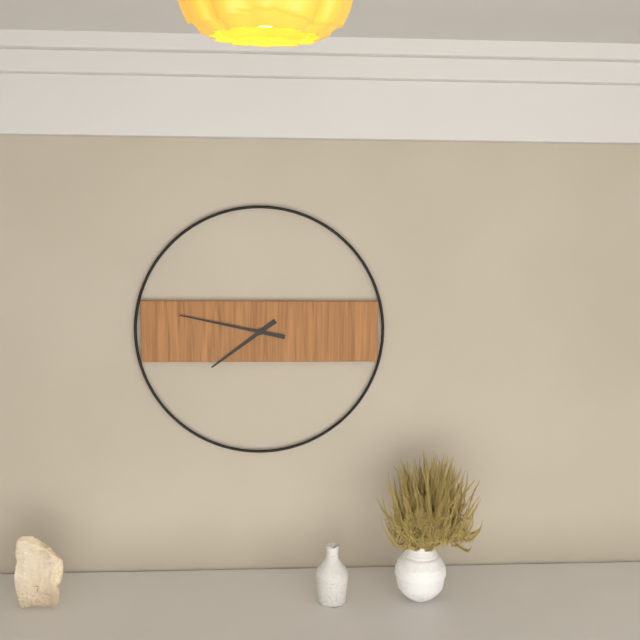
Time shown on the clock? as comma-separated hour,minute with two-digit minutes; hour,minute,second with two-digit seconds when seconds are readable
7,47
